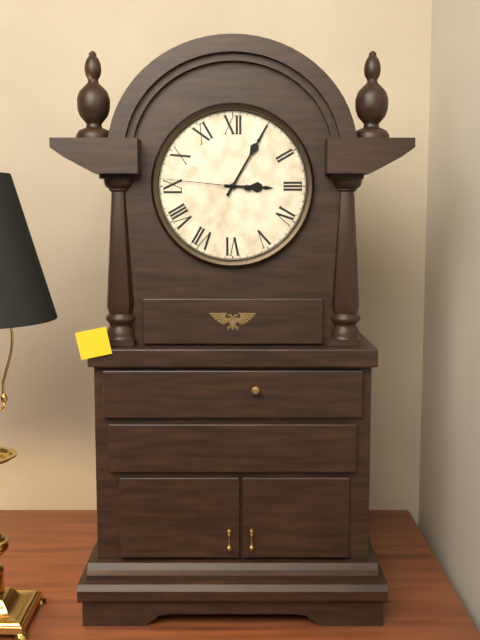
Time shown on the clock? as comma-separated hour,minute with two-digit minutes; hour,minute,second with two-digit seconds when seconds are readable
3,05,46
